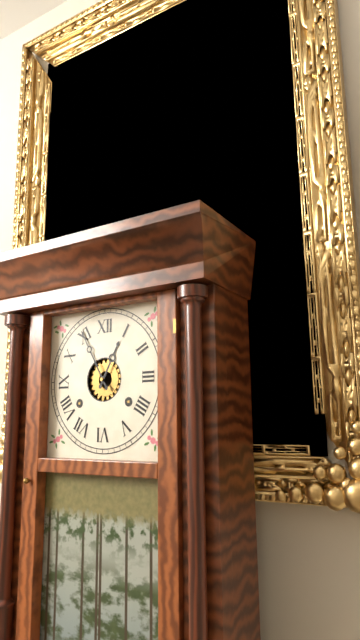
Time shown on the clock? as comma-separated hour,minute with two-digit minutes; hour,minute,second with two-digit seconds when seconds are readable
12,55
